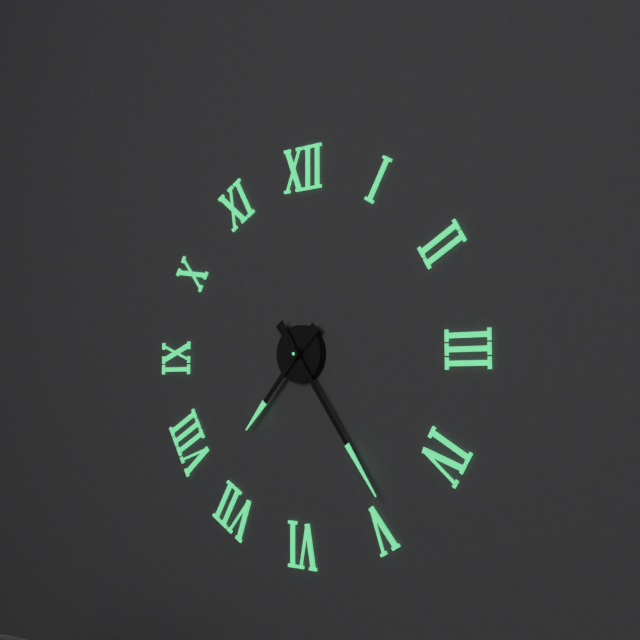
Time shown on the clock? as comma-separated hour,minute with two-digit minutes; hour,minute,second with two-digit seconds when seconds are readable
7,24
